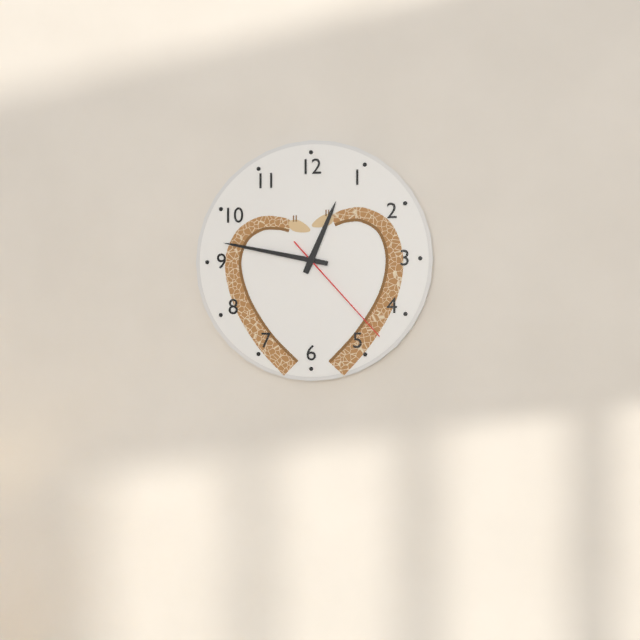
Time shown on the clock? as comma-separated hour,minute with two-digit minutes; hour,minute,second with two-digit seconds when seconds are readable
12,47,23
